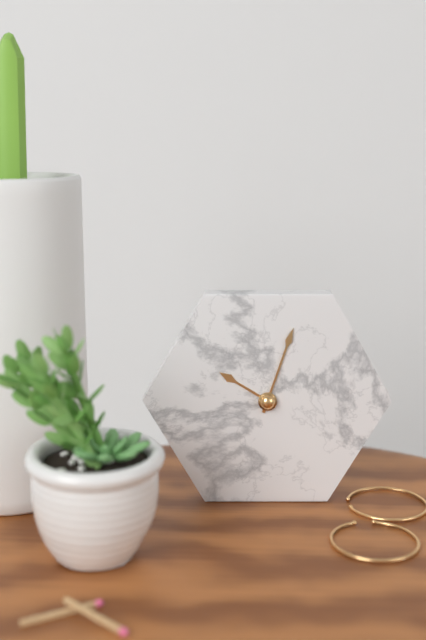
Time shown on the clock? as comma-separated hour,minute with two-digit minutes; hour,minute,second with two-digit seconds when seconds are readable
10,03
